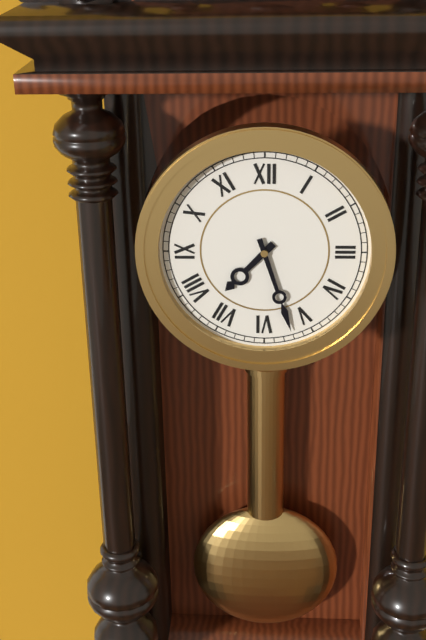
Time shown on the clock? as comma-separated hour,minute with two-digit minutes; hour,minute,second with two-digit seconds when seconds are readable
7,27
